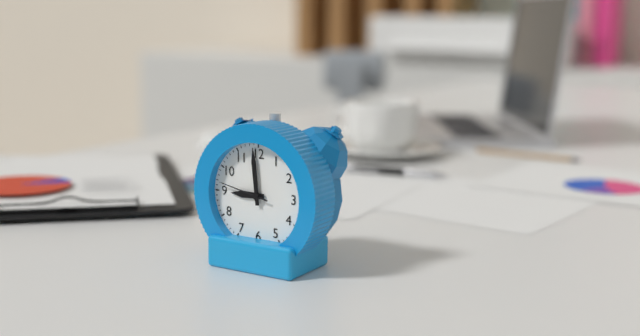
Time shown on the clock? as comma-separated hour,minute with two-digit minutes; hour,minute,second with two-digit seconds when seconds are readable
8,59
